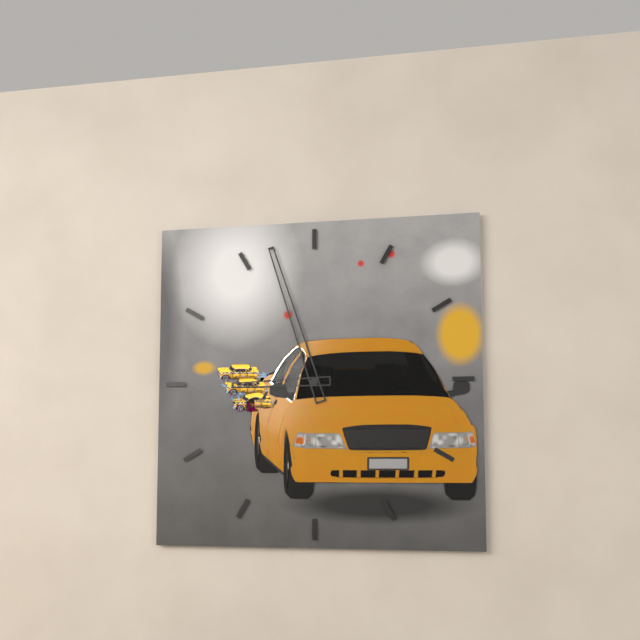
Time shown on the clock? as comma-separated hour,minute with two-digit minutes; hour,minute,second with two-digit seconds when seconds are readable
8,57
